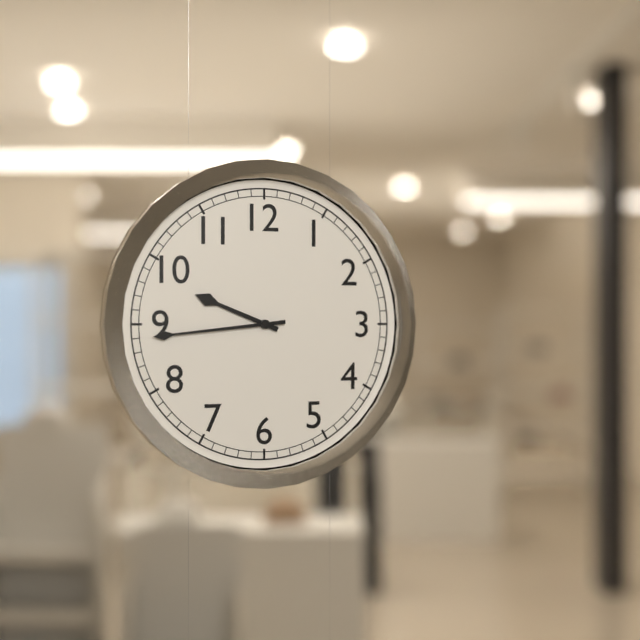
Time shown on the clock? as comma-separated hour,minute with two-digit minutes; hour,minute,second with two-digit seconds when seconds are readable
9,44
